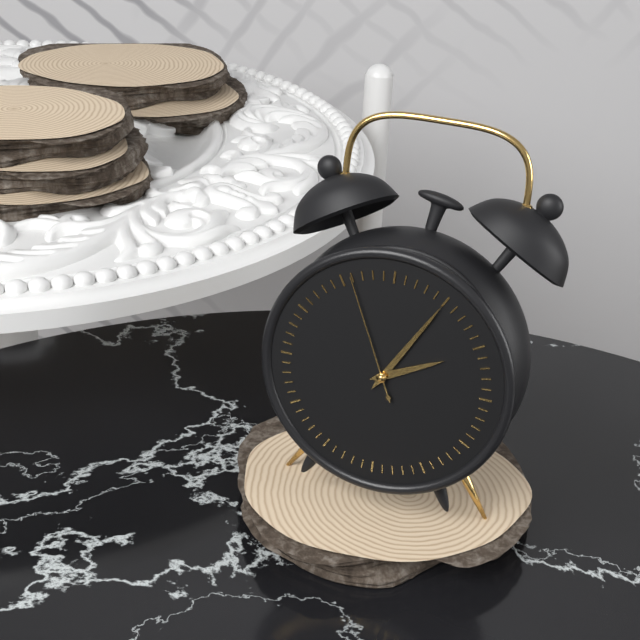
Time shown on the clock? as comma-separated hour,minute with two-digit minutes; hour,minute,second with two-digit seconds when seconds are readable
2,05,56
